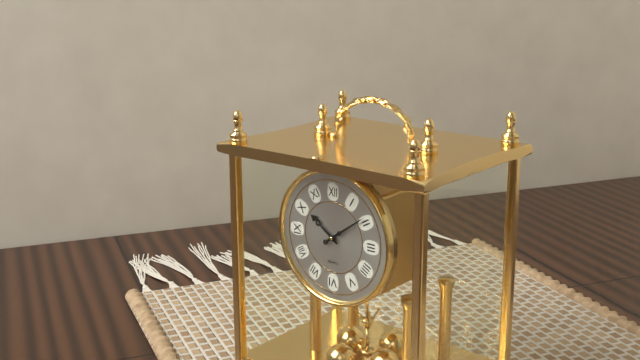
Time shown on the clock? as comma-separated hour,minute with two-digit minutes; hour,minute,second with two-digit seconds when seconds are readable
10,09
